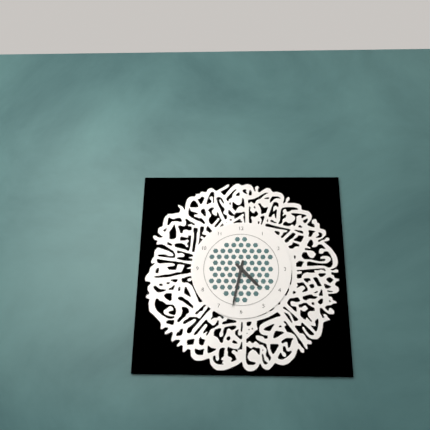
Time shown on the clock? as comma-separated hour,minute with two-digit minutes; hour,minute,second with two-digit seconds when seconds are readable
4,32
